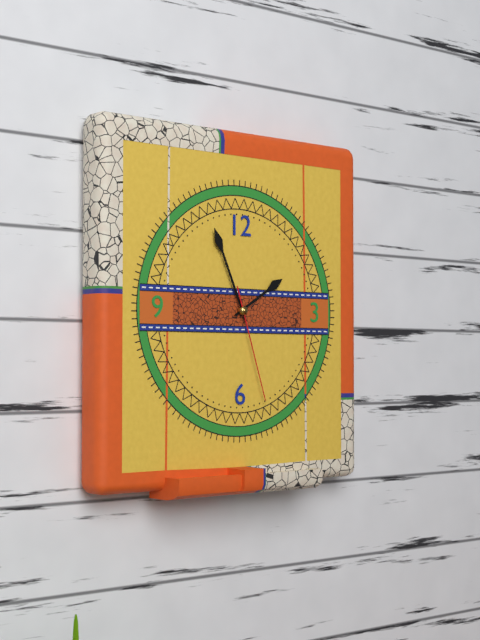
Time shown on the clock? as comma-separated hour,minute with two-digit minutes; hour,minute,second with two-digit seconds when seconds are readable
1,56,27
